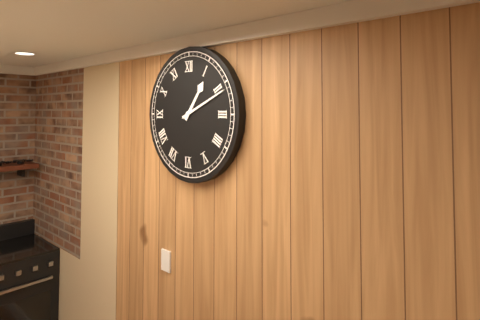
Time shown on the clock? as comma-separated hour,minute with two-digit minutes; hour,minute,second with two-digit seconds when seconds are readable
1,11
